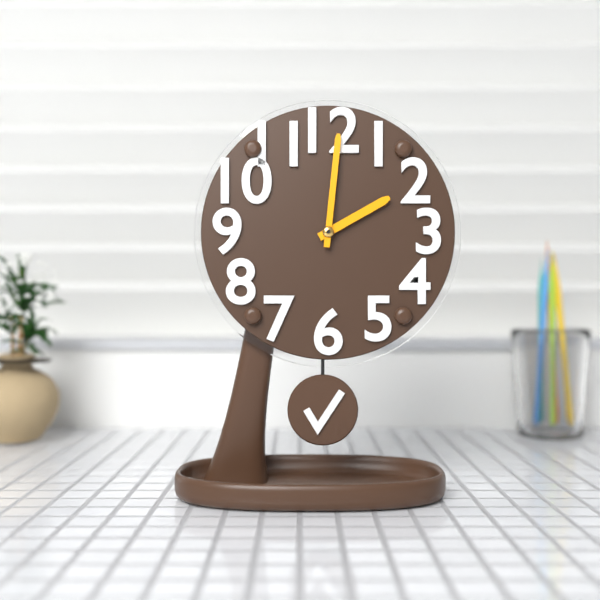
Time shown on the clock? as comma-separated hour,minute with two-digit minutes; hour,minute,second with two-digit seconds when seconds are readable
2,01
